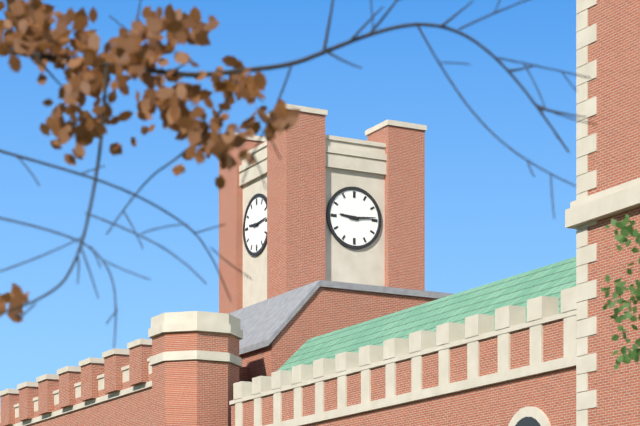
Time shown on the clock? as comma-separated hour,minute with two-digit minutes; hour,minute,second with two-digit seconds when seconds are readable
9,14
